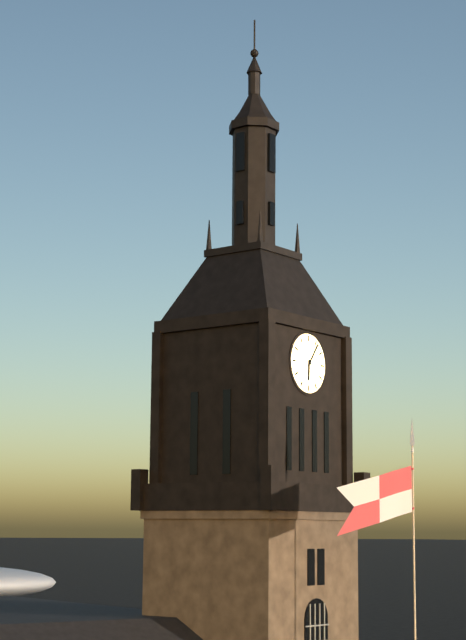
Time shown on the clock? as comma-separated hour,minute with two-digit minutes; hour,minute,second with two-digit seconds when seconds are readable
6,06
